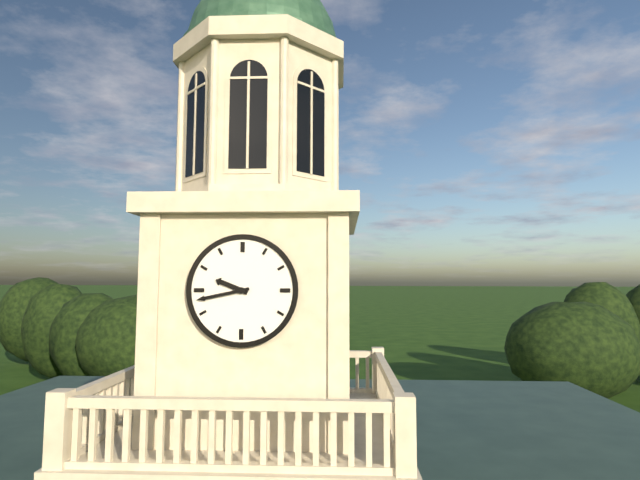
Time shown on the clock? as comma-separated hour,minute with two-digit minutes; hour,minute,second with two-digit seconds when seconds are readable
9,43
